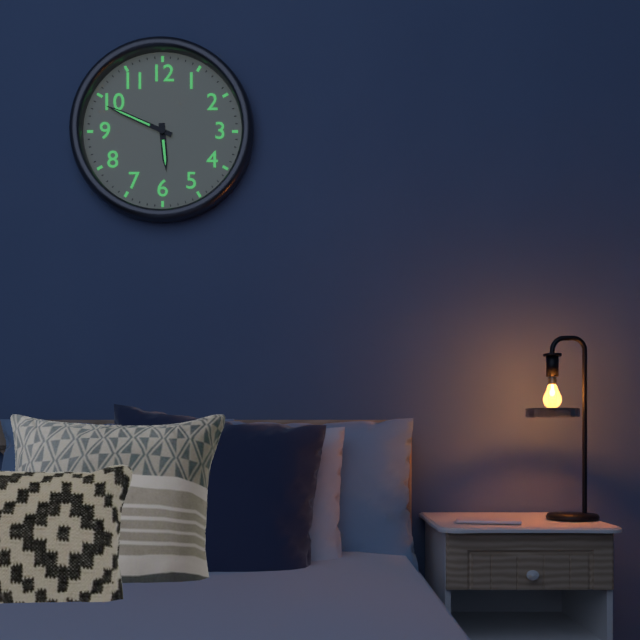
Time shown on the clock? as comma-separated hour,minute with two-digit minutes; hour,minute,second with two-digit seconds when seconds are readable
5,49
